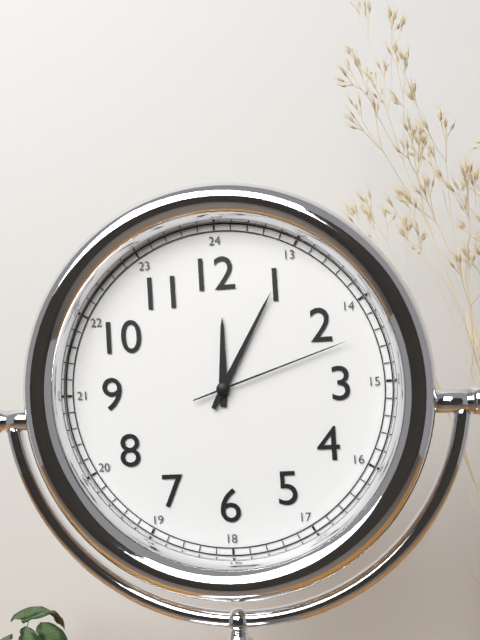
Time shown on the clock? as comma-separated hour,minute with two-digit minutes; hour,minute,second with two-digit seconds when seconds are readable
12,05,12
